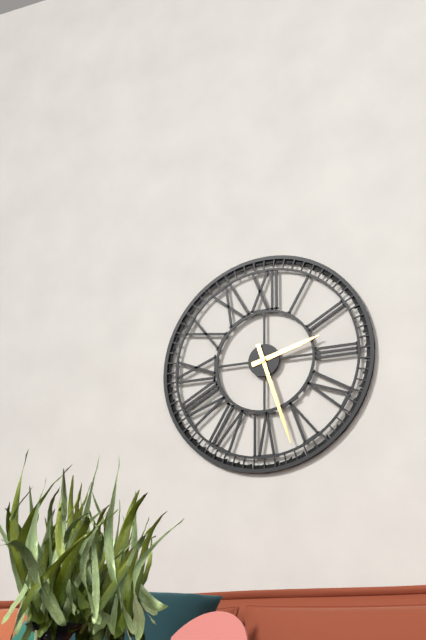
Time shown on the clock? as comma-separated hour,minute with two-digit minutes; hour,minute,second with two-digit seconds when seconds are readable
2,27
